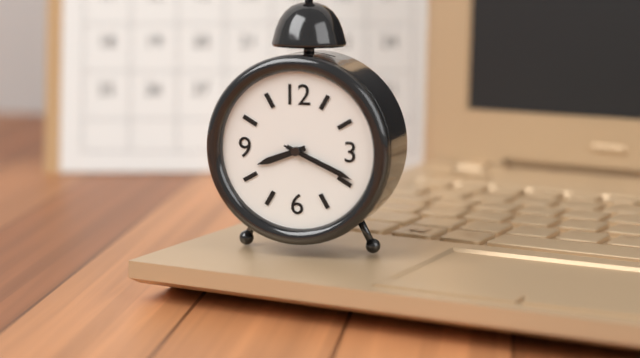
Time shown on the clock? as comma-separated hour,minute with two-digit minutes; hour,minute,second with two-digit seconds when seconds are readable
8,19,19
